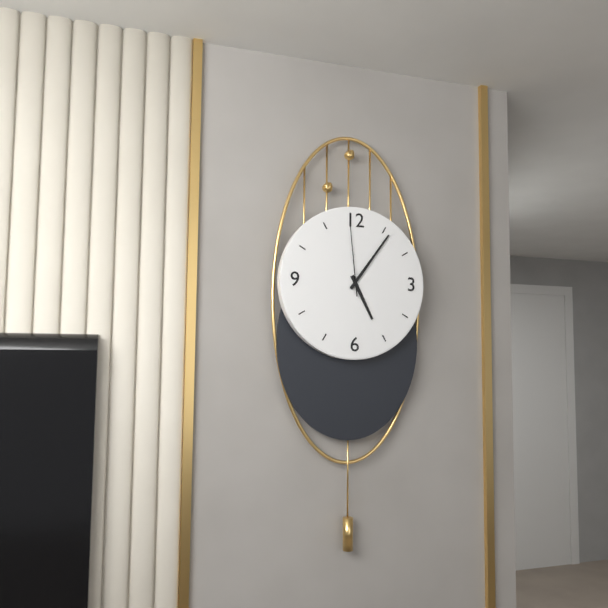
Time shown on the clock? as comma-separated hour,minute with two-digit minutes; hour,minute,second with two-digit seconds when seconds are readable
5,06,59
